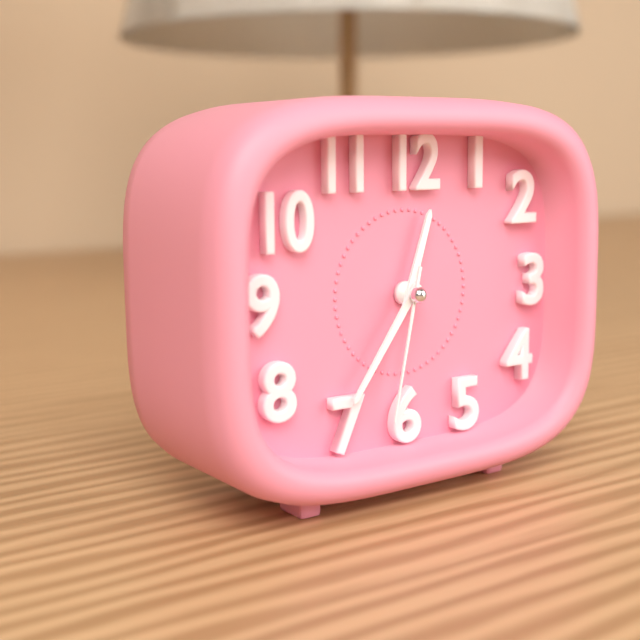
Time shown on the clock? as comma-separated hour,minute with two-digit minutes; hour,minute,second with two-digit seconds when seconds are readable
12,36,32
